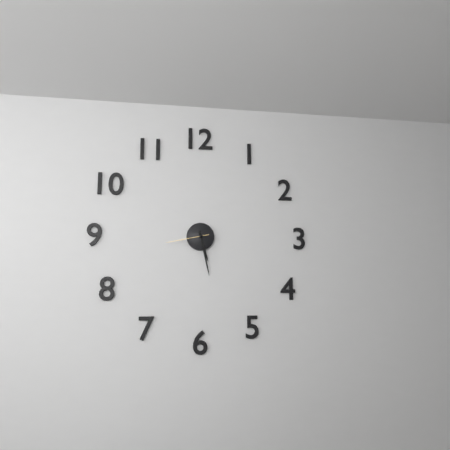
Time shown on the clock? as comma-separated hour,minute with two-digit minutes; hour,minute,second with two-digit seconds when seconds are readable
5,28
